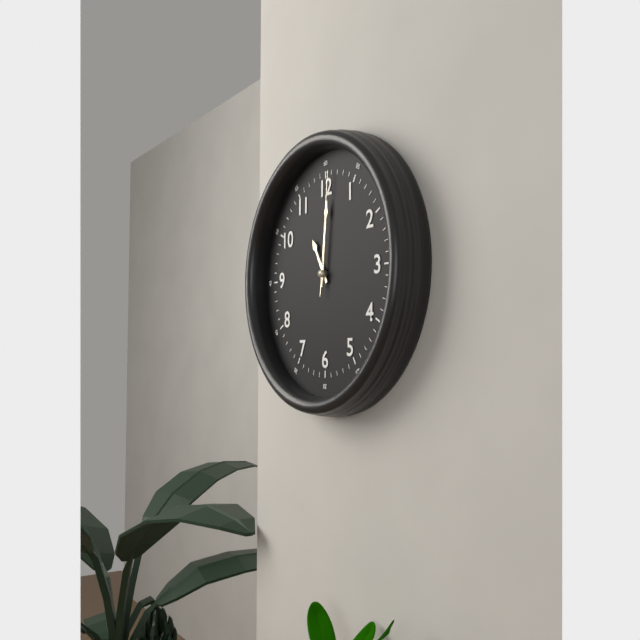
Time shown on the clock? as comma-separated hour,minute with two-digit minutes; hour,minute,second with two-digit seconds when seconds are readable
11,01,01
